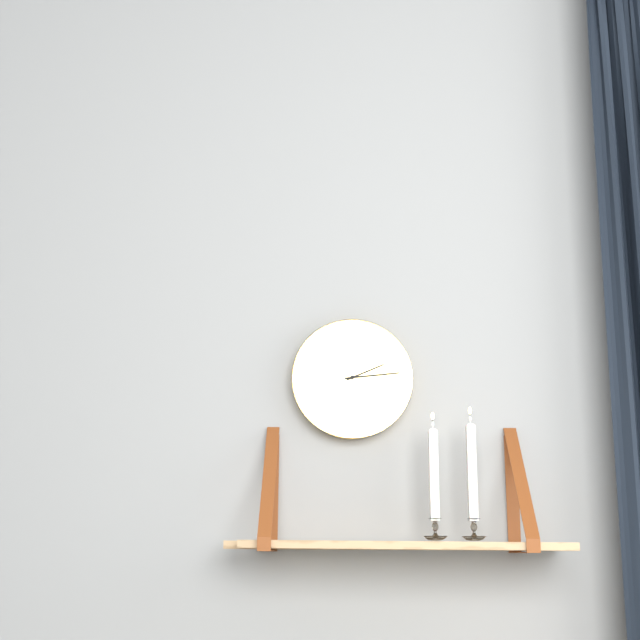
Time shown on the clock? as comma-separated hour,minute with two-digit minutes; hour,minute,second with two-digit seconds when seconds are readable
2,14
